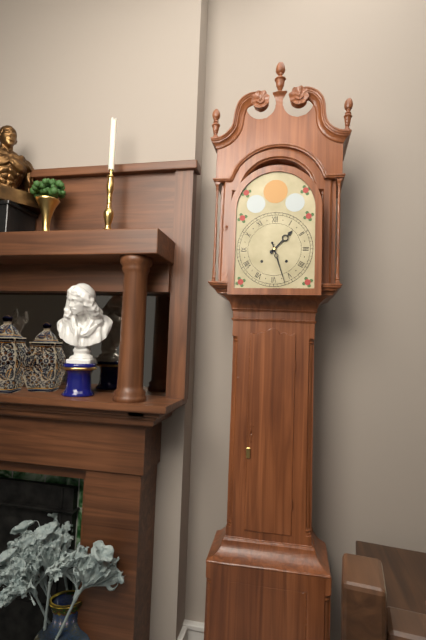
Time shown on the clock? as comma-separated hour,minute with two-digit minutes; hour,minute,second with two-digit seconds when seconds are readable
1,27
